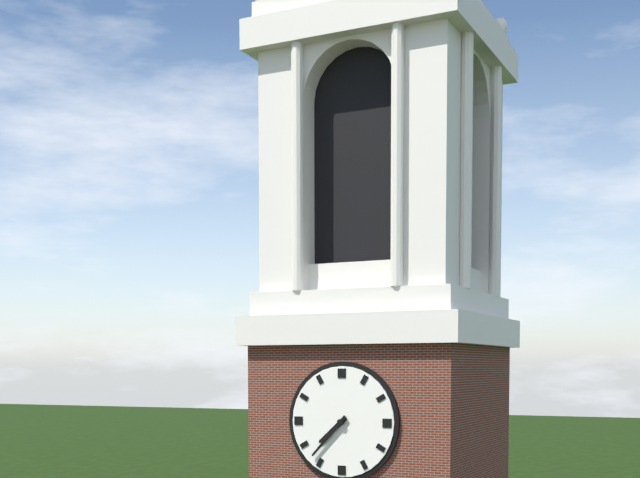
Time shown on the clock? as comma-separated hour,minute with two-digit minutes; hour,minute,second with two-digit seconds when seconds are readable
7,37
